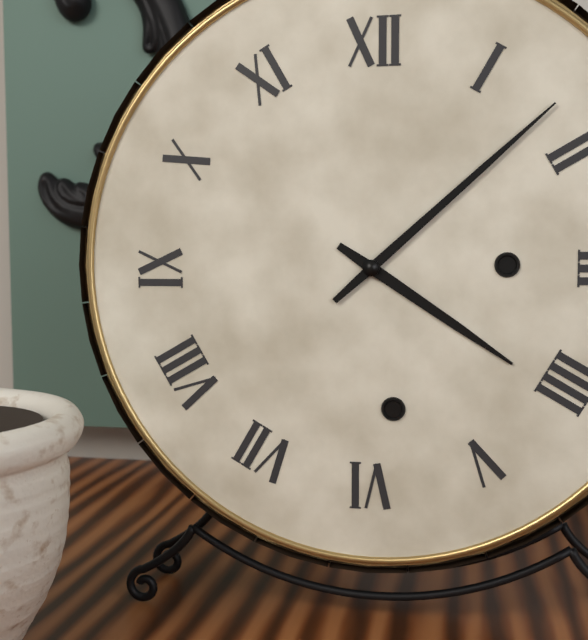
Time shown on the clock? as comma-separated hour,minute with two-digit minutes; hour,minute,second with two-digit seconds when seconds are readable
4,08
